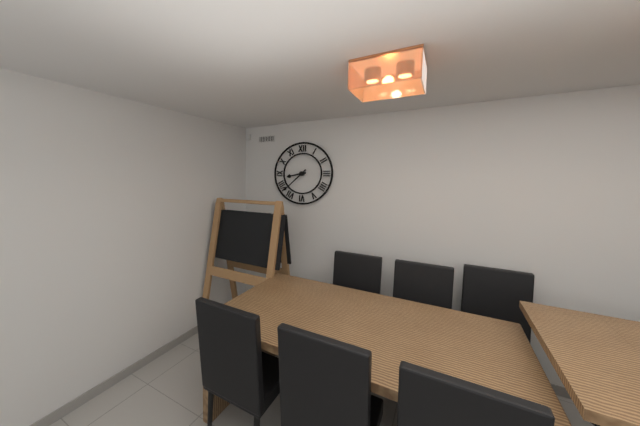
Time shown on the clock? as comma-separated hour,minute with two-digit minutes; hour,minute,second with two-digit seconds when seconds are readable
8,38
